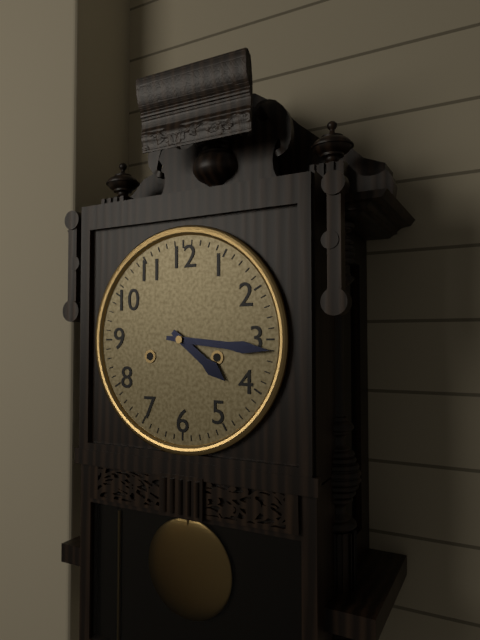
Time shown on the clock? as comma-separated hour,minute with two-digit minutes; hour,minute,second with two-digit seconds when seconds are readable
4,16
